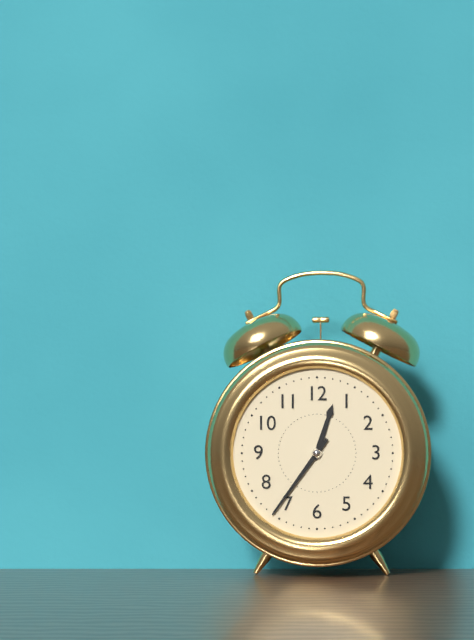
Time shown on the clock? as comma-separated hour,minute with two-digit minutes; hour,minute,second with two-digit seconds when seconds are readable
12,36
